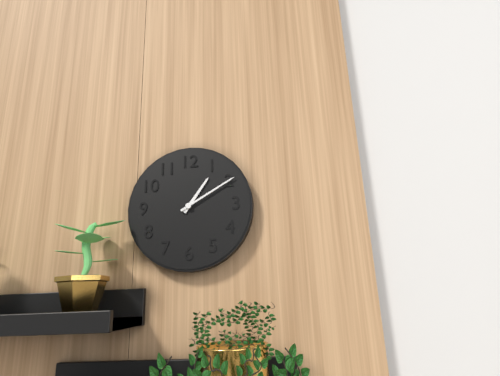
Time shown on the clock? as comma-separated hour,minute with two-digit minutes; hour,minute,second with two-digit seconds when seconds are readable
1,10
